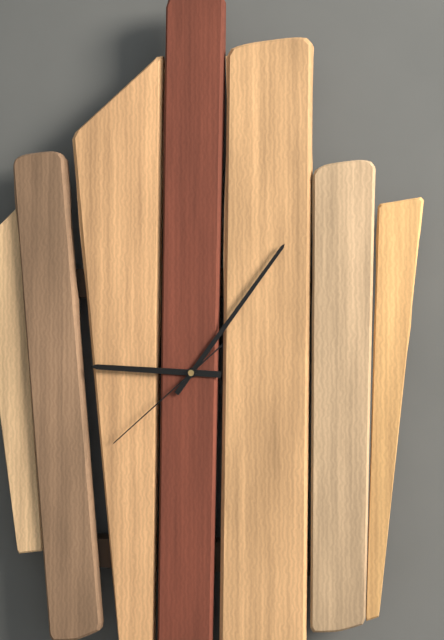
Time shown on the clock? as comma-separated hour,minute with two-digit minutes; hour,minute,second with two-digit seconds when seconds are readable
9,06,38
